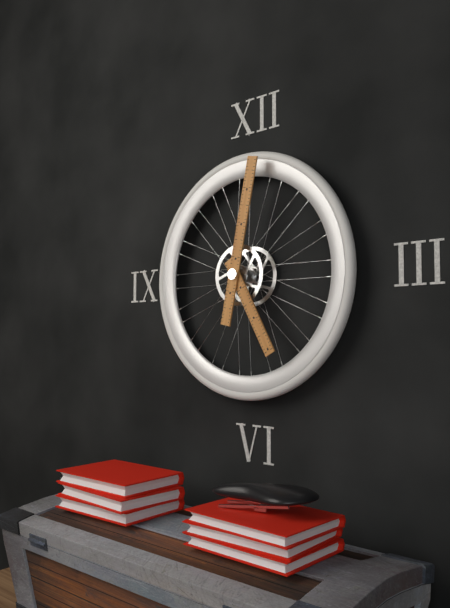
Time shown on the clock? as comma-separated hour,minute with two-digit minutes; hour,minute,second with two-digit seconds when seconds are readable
5,02
